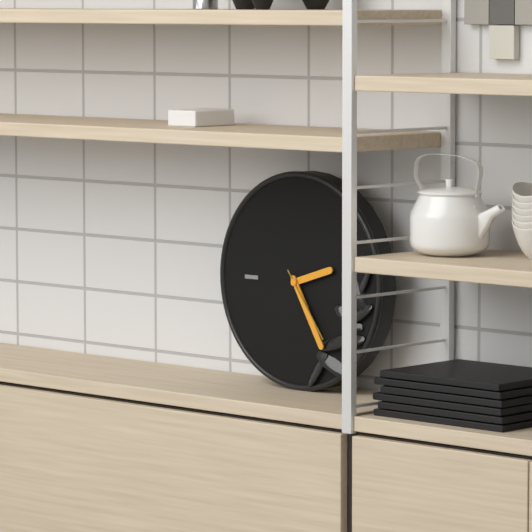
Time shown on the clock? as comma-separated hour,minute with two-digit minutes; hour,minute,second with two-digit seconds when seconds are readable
2,25,24
